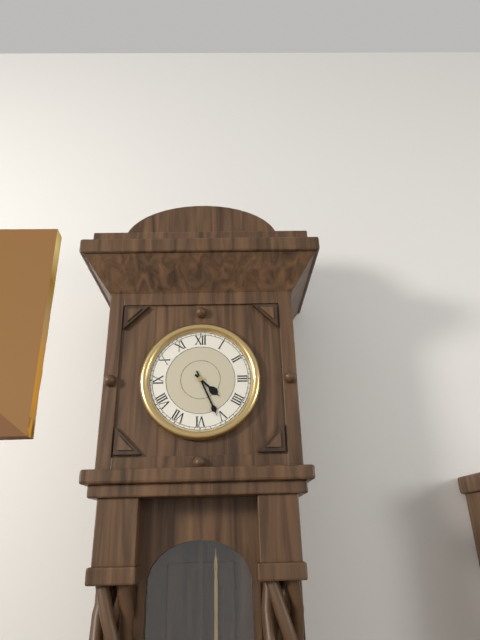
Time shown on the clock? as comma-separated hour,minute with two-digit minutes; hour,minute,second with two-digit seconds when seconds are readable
4,26
